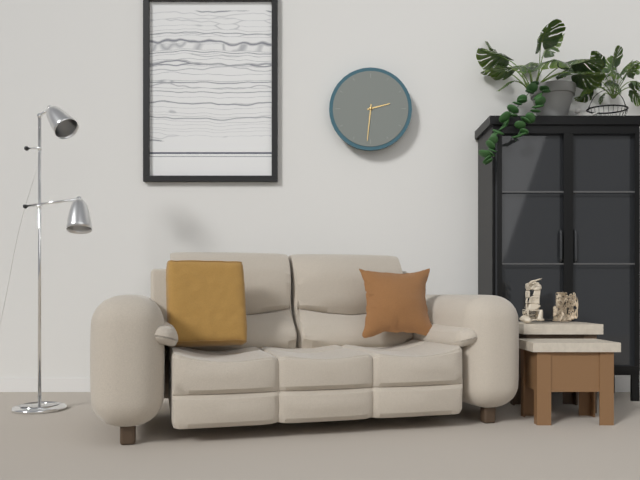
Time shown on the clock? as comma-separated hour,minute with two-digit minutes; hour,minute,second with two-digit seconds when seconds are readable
2,31
